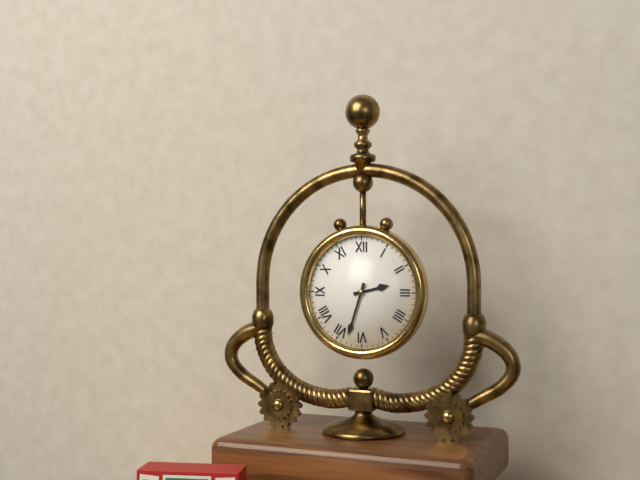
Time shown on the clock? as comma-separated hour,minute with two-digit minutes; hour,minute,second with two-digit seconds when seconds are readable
2,33
